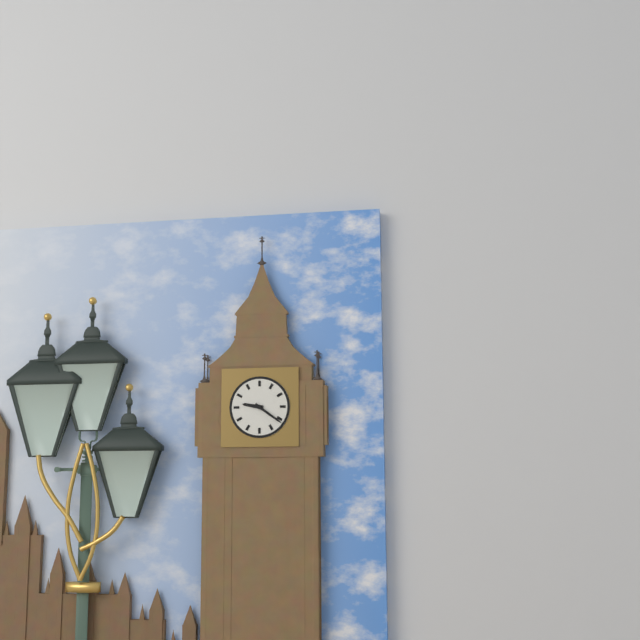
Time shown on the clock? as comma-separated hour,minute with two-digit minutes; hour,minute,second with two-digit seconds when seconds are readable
9,21
